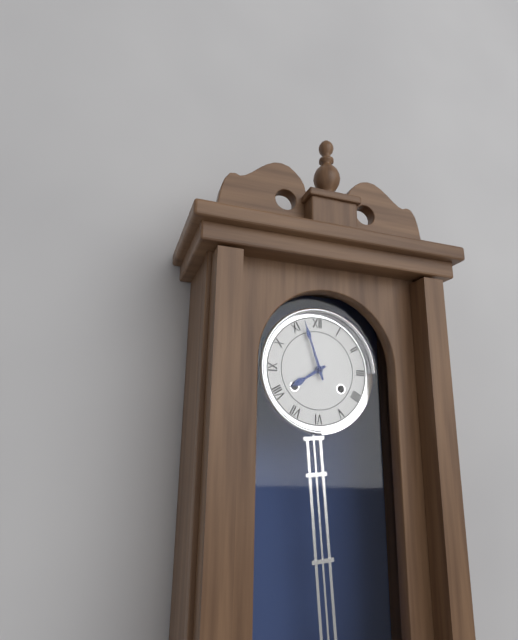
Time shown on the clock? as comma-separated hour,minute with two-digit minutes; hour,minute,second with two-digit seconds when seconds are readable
7,57
